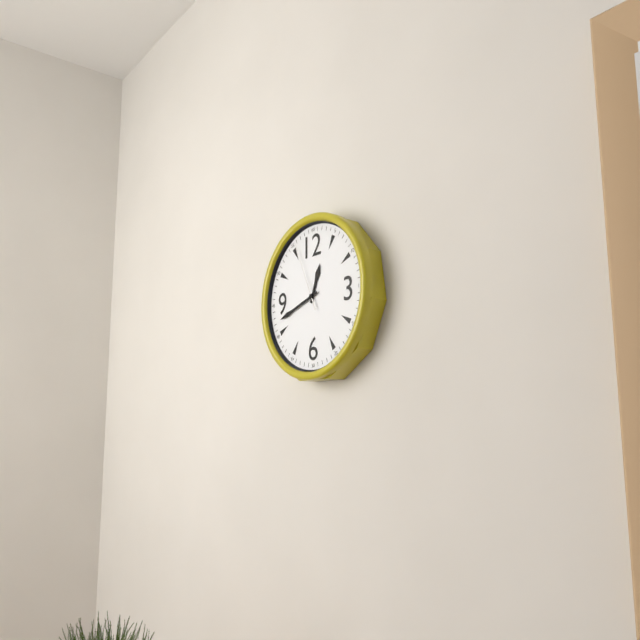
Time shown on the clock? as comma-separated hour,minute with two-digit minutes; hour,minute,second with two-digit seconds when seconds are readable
12,42,56
